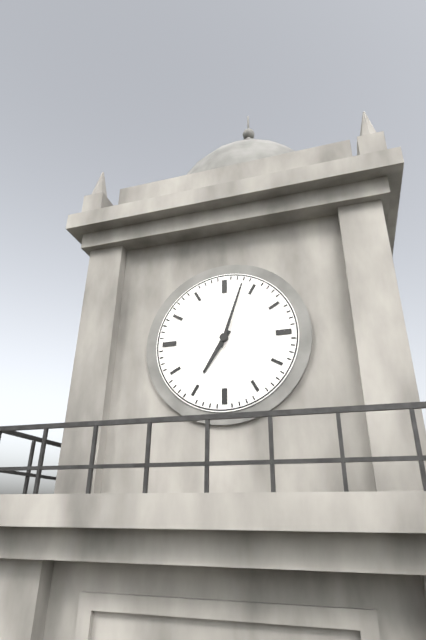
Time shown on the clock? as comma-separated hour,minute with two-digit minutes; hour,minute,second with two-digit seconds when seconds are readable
7,03
